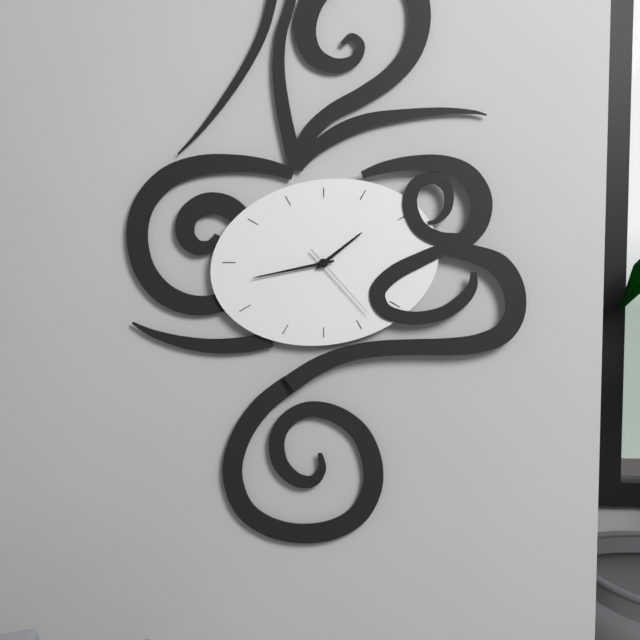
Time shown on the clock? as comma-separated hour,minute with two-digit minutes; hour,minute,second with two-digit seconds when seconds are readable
1,43,23
